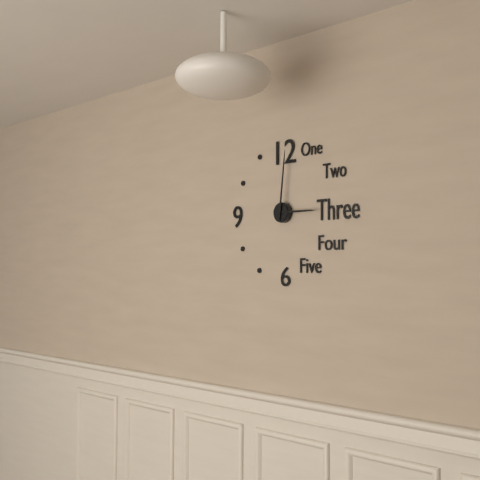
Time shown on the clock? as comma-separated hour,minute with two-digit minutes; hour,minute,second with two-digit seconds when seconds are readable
3,01
